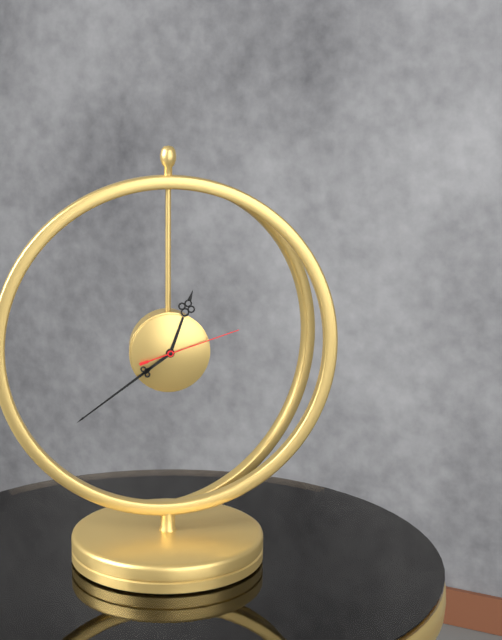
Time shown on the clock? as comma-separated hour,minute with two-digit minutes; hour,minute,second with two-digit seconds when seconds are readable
12,39,12
